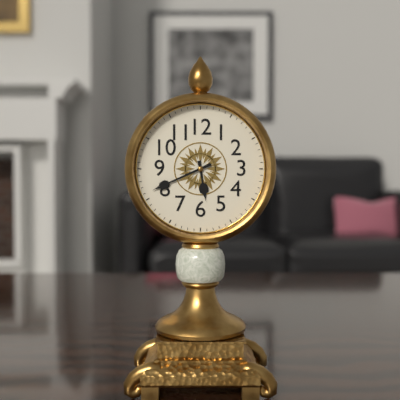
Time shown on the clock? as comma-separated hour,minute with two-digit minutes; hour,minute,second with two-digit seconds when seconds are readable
5,41
